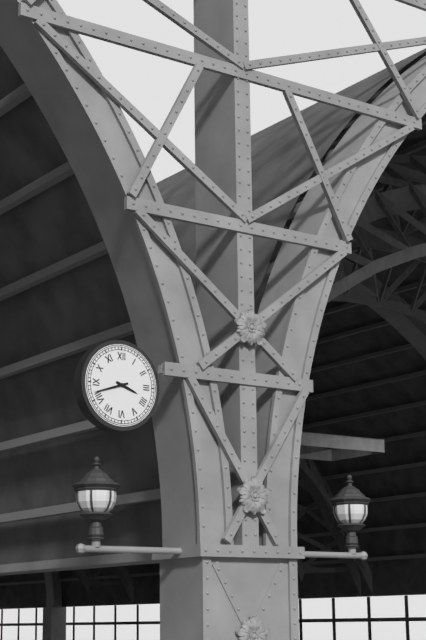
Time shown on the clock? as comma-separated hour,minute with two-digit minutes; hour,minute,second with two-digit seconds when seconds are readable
3,42
